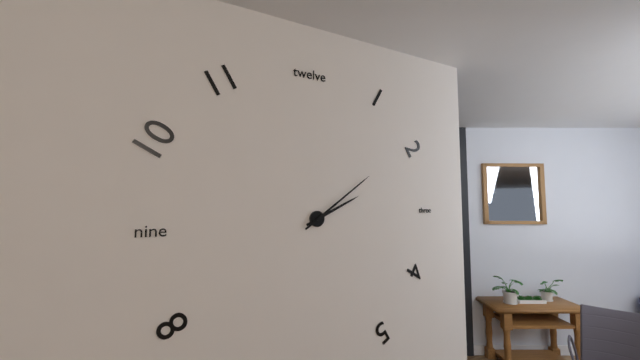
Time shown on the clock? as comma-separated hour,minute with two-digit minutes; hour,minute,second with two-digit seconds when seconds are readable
2,09
